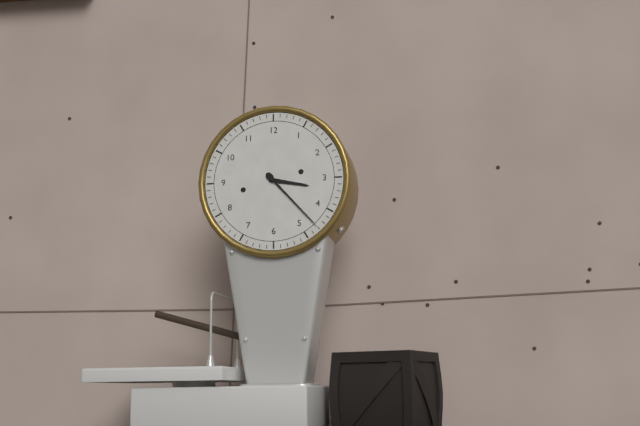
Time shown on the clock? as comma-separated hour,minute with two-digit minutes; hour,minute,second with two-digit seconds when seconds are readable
3,23
